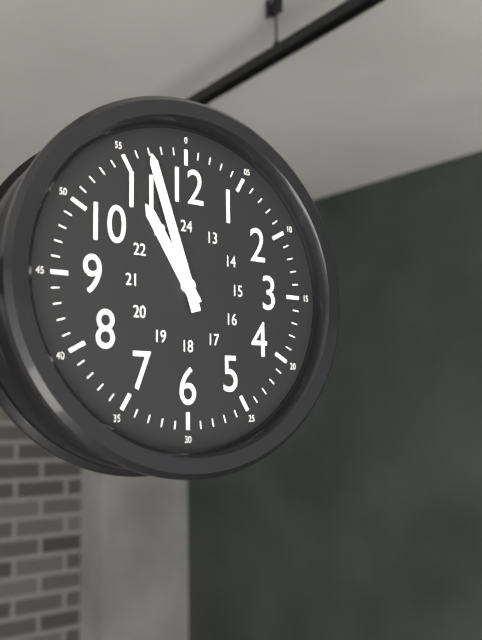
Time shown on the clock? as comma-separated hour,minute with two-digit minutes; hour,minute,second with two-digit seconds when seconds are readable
10,57
